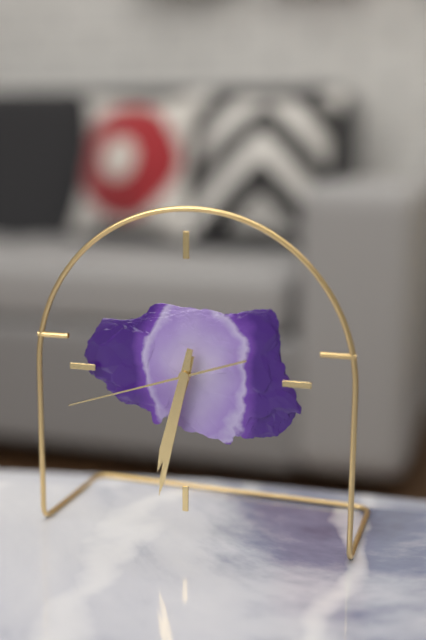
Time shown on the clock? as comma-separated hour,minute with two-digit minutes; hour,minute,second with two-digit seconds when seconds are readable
6,32,42
